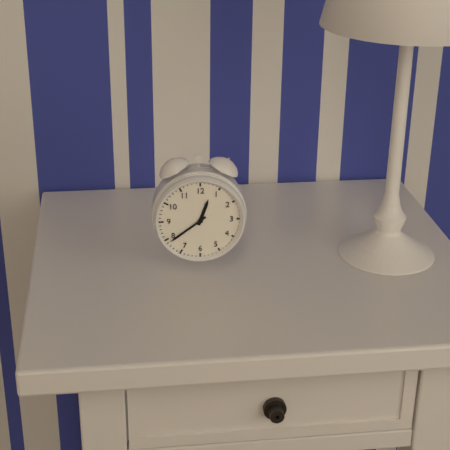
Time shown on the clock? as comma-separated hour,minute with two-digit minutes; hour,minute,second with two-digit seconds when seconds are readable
12,39
